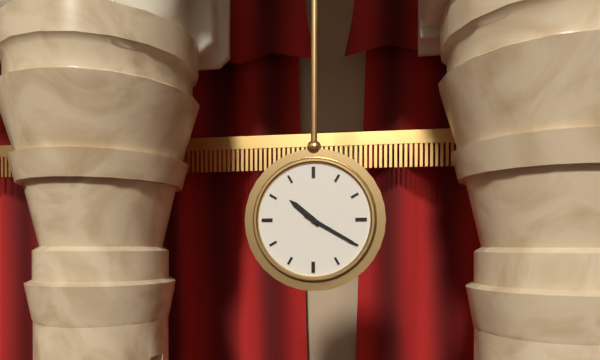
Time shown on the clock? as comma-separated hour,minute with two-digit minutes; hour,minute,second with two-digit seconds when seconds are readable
10,20
